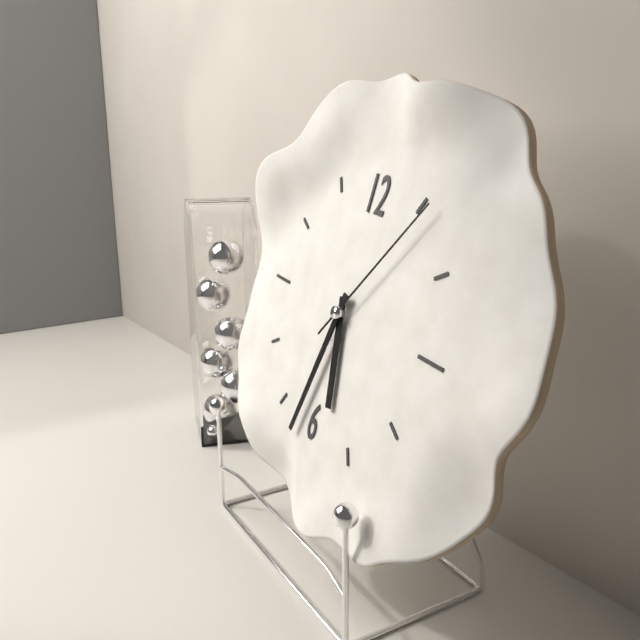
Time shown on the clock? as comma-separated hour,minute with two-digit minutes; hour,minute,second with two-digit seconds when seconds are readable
5,32,06
